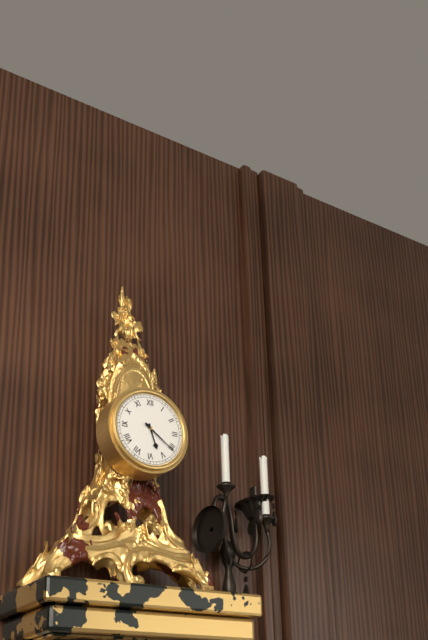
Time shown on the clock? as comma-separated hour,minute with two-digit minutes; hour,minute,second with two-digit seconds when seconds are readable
5,21
